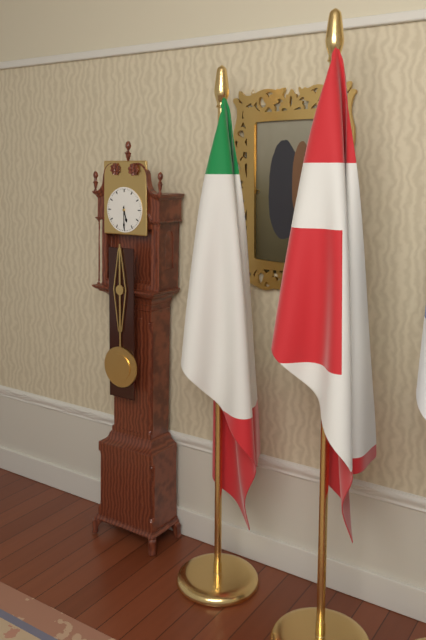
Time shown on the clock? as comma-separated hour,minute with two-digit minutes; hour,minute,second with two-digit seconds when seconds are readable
5,30
